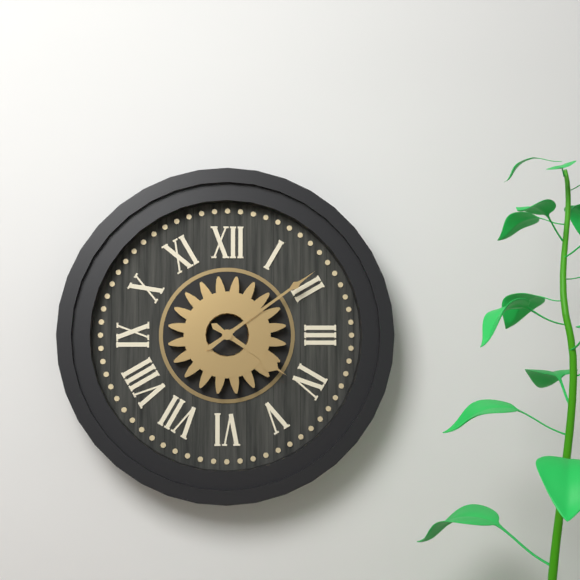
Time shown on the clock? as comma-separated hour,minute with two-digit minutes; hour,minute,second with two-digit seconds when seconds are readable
4,09
